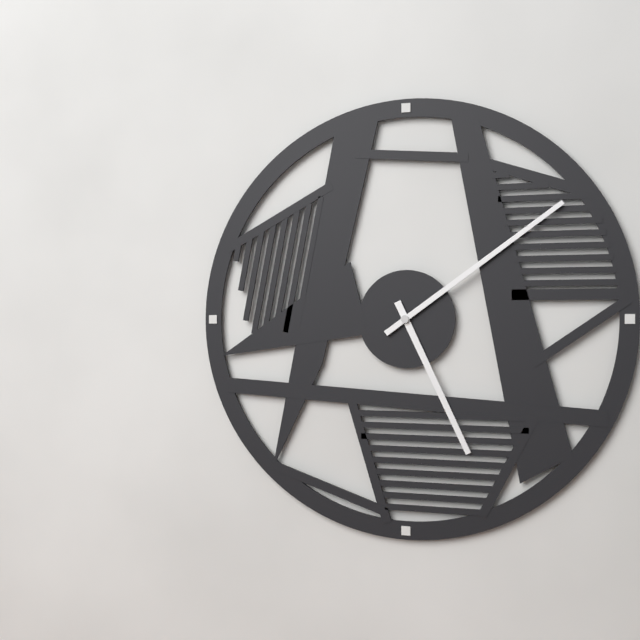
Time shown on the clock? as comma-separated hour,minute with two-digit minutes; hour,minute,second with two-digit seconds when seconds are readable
5,09
